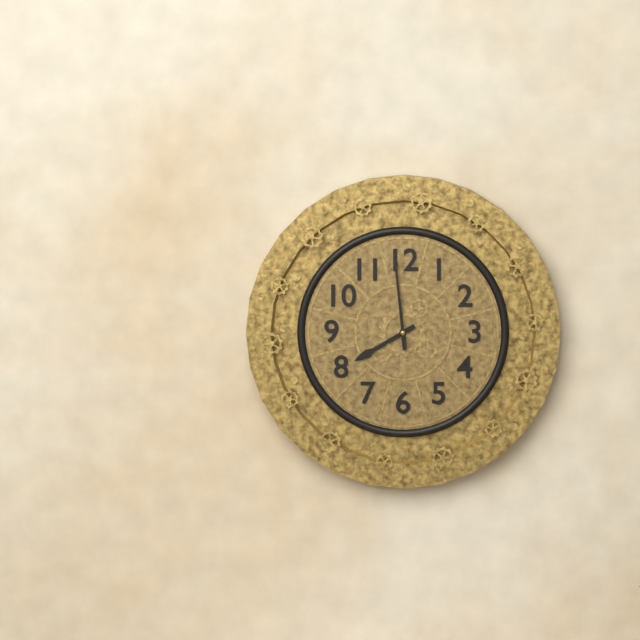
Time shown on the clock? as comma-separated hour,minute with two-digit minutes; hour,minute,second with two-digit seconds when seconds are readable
7,59
